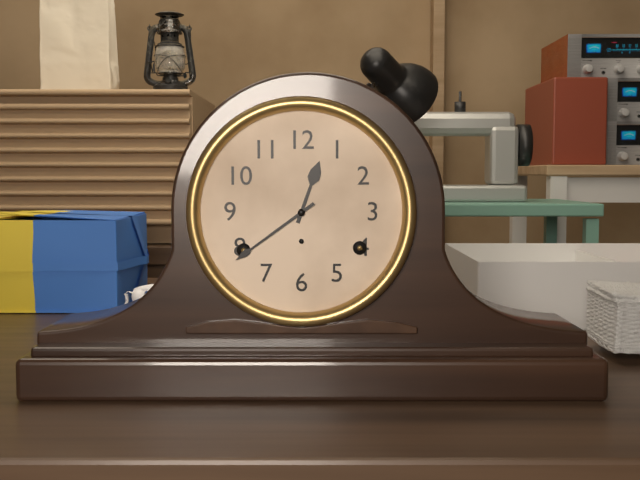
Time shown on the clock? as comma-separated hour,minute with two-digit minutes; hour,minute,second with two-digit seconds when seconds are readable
12,39
